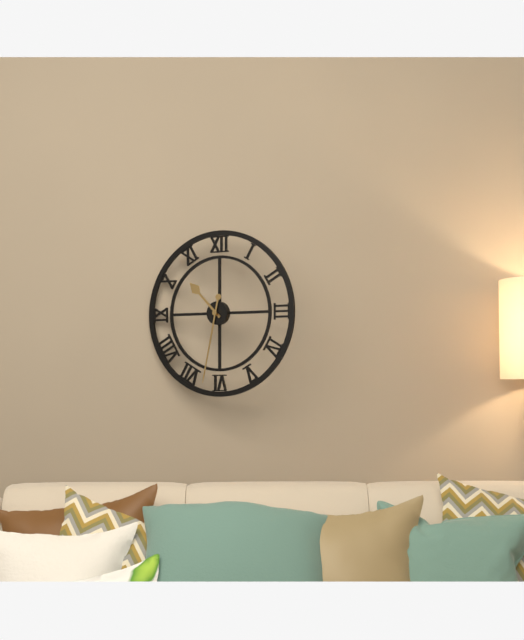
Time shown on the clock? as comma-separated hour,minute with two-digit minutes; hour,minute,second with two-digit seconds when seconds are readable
10,32
